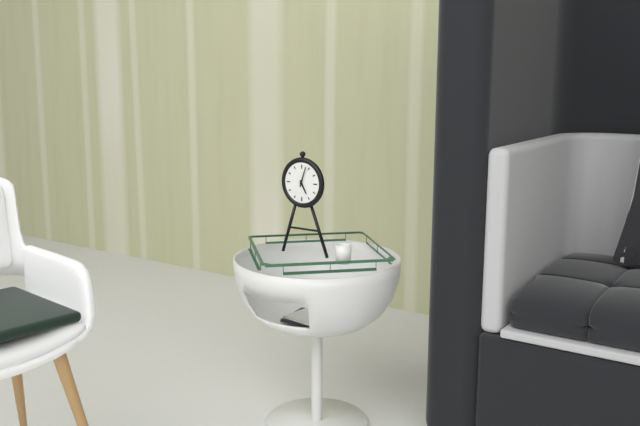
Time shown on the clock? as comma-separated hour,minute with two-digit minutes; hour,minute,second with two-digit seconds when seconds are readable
5,03
